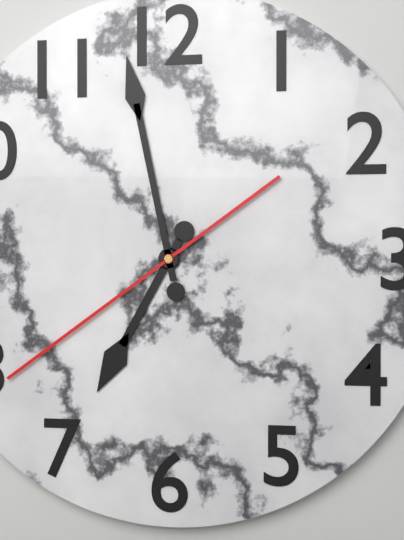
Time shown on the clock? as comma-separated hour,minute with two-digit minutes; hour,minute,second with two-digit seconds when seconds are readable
6,58,39
